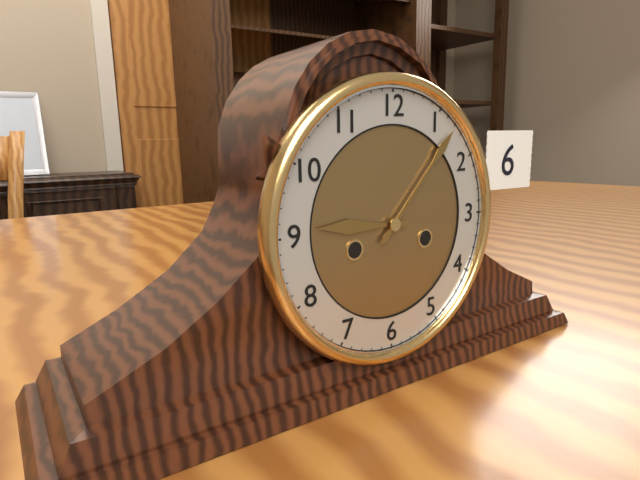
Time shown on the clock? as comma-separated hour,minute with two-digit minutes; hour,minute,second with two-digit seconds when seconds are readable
9,07
